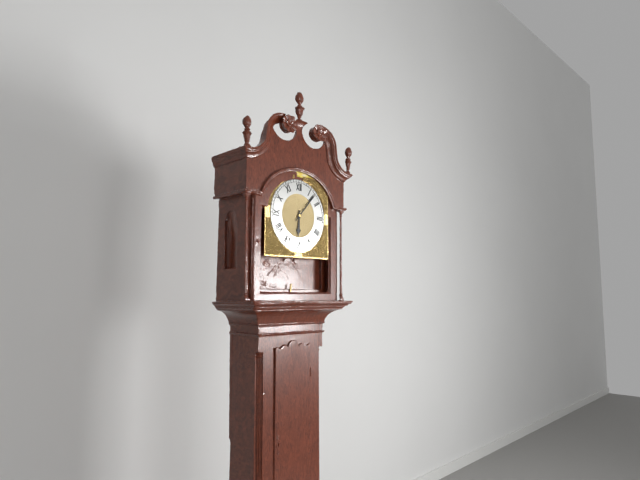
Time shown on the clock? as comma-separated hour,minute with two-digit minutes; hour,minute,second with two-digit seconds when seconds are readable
6,07
